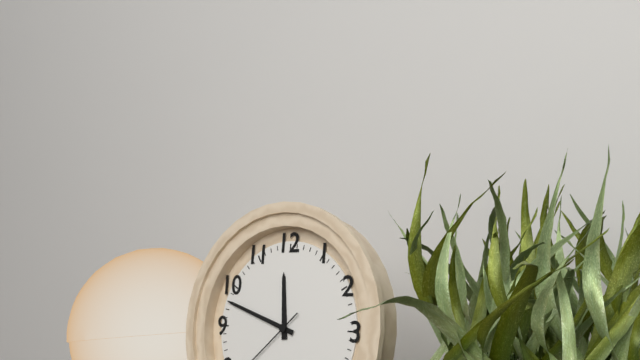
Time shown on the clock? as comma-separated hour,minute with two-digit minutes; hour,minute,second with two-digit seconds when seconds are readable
11,48
